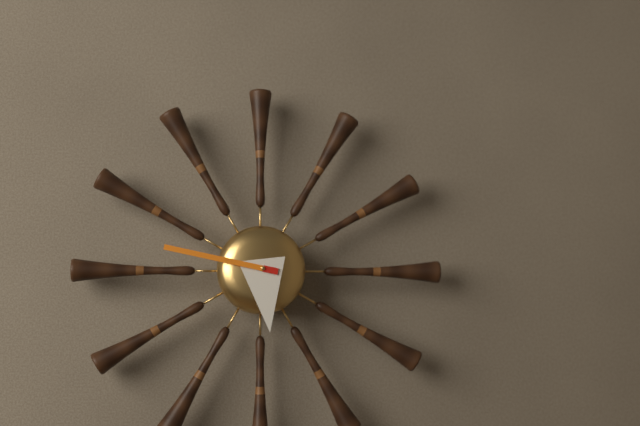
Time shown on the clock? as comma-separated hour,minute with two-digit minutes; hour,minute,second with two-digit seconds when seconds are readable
5,47
